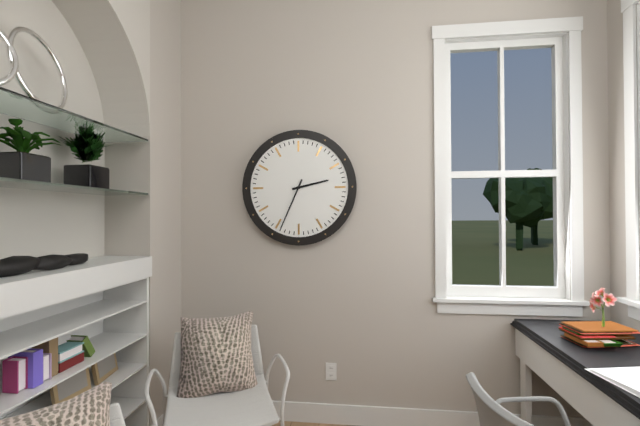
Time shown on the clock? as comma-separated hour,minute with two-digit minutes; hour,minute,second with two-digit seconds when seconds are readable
2,34
